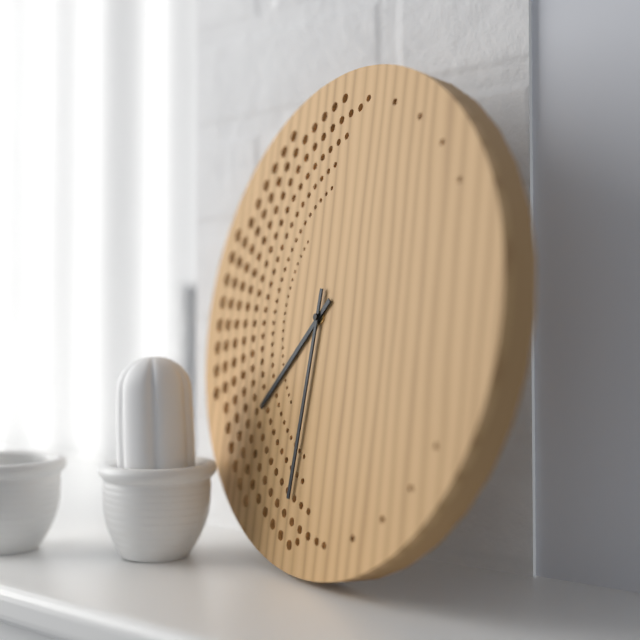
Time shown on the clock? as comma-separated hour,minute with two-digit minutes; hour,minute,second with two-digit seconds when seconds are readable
7,31
